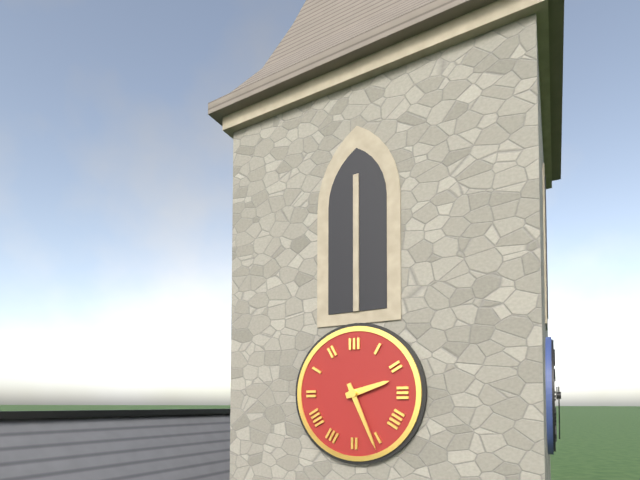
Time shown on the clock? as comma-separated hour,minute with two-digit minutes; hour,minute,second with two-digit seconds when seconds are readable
2,26
